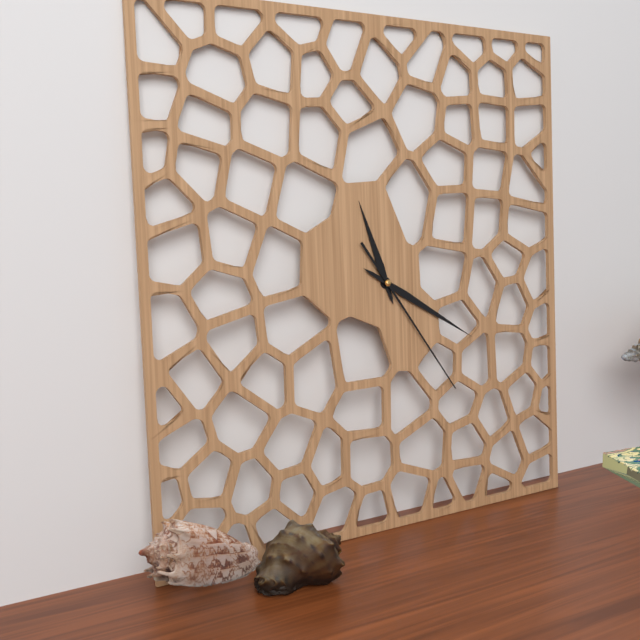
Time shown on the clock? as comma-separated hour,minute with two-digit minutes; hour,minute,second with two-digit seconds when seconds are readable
11,20,24
